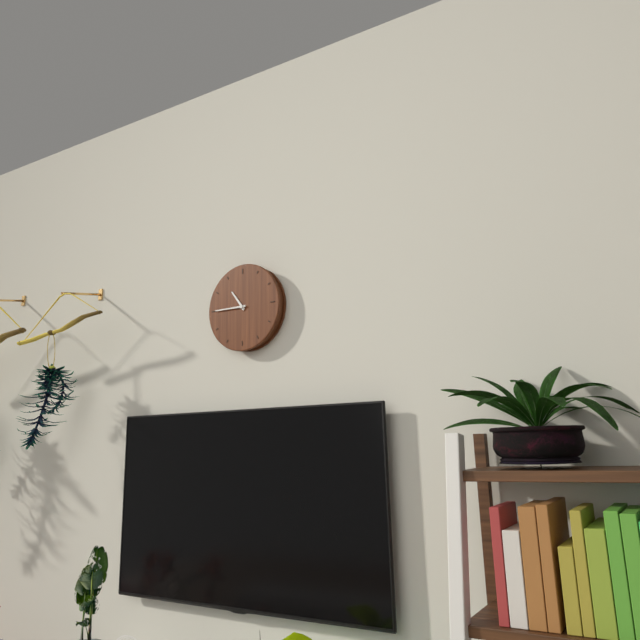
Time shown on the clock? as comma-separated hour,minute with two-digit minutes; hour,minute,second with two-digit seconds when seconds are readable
10,45
